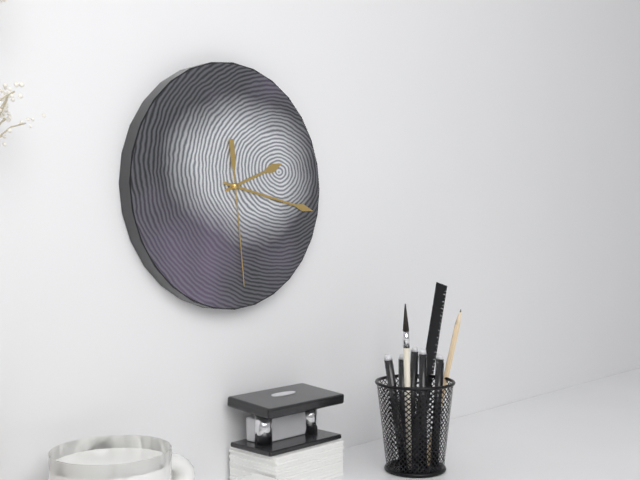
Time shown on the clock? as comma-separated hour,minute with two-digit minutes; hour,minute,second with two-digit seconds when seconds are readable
2,17,29
